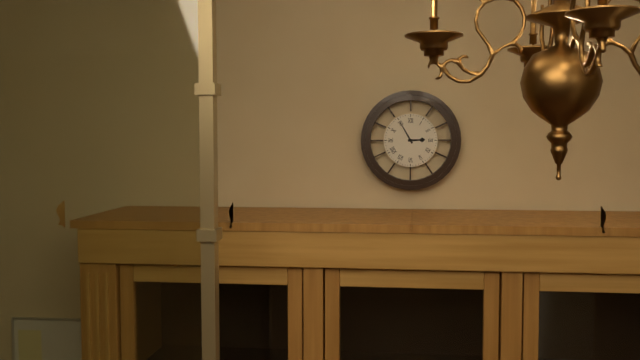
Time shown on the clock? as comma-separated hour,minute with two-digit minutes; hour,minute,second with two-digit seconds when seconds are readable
2,55
